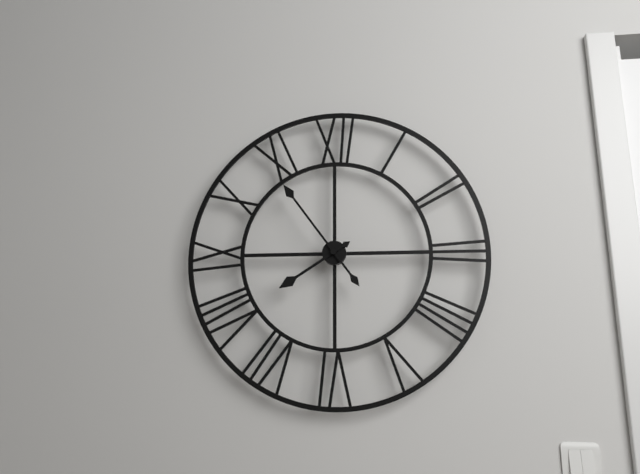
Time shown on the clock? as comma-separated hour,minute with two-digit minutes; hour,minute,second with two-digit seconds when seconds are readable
7,54
